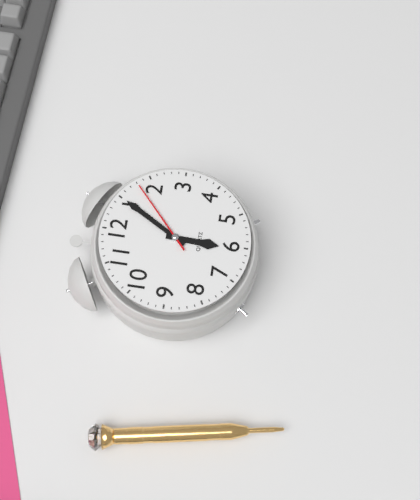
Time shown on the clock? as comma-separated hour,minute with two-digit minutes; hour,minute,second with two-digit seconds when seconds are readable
6,05,08
